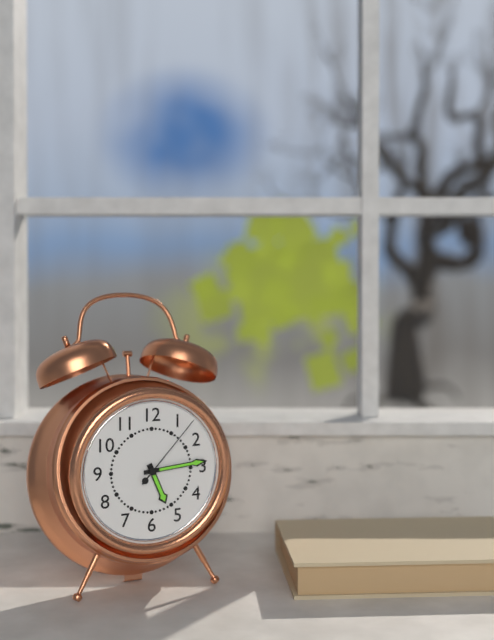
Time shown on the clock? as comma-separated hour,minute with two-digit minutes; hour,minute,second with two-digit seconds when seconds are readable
5,14,07
